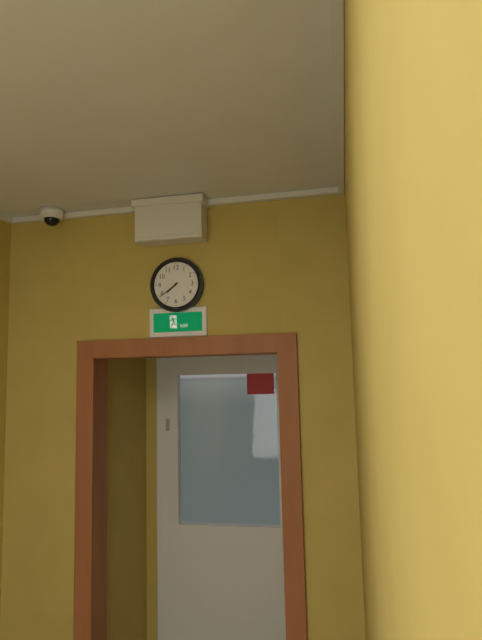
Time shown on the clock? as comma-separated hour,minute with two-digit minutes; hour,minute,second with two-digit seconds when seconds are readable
7,39
